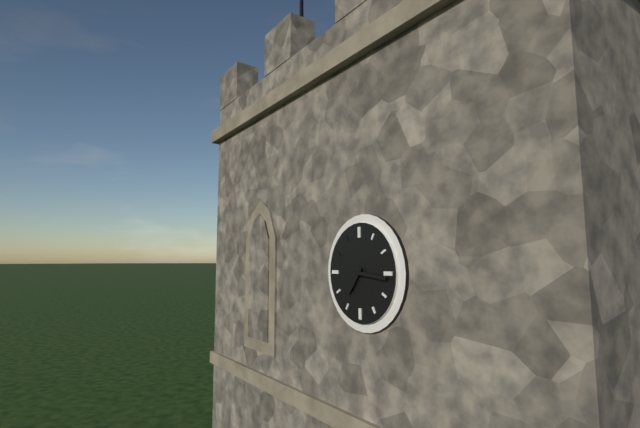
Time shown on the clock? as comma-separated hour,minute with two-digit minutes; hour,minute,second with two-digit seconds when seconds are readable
7,16
